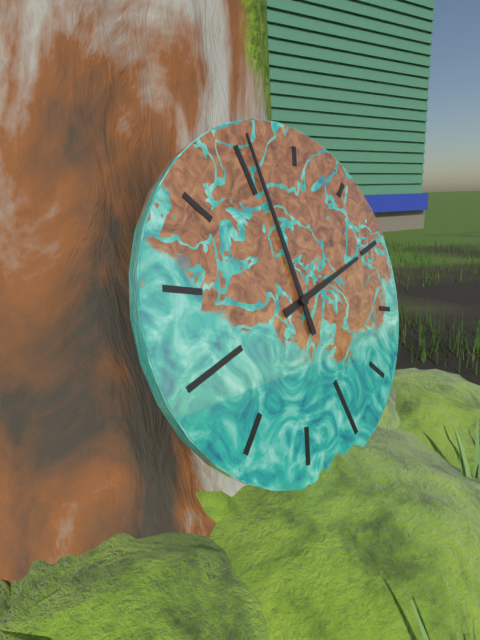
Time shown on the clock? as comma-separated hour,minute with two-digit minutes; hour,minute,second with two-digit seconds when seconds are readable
3,01
